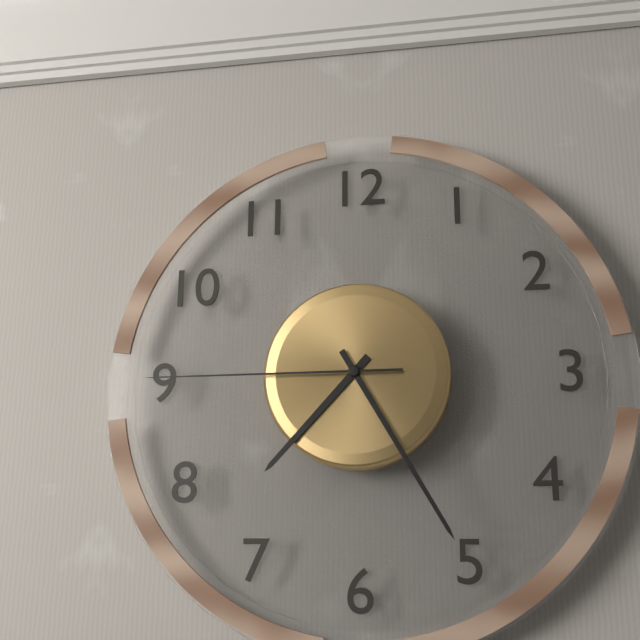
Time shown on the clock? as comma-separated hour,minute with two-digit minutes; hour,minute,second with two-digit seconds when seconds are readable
7,25,45
